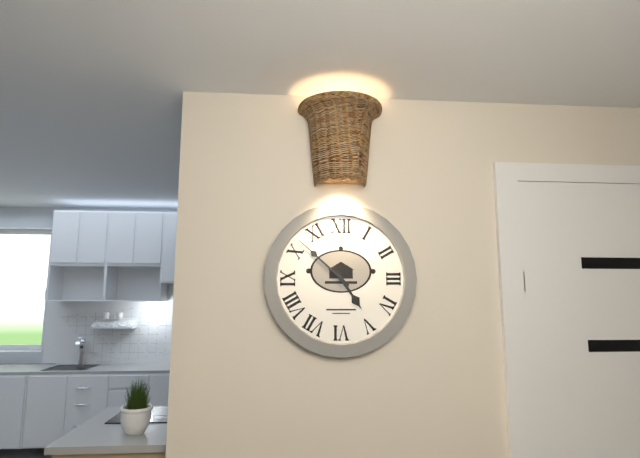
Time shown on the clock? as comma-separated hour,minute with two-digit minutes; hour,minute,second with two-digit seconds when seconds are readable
4,52
